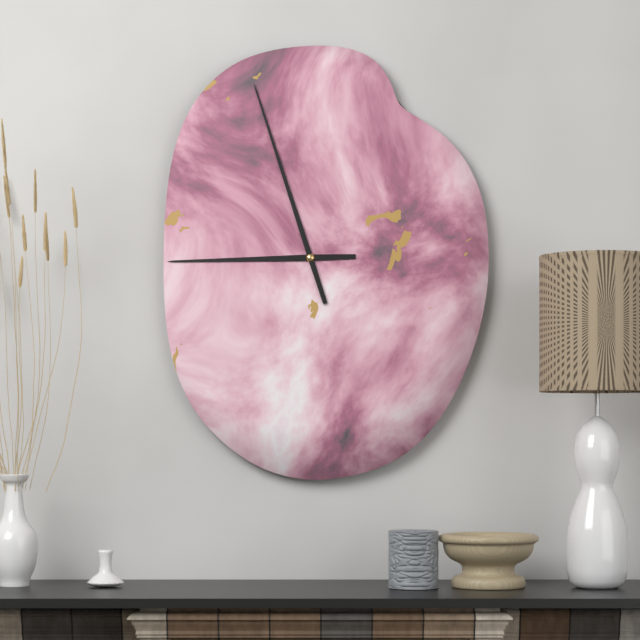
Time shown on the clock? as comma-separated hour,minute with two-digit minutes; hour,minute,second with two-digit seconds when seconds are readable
8,57
